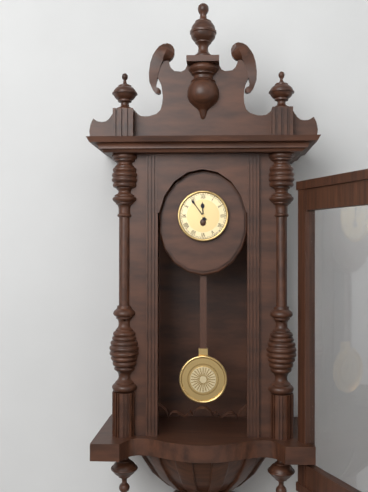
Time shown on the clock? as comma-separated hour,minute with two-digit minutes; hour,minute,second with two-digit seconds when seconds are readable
11,54
